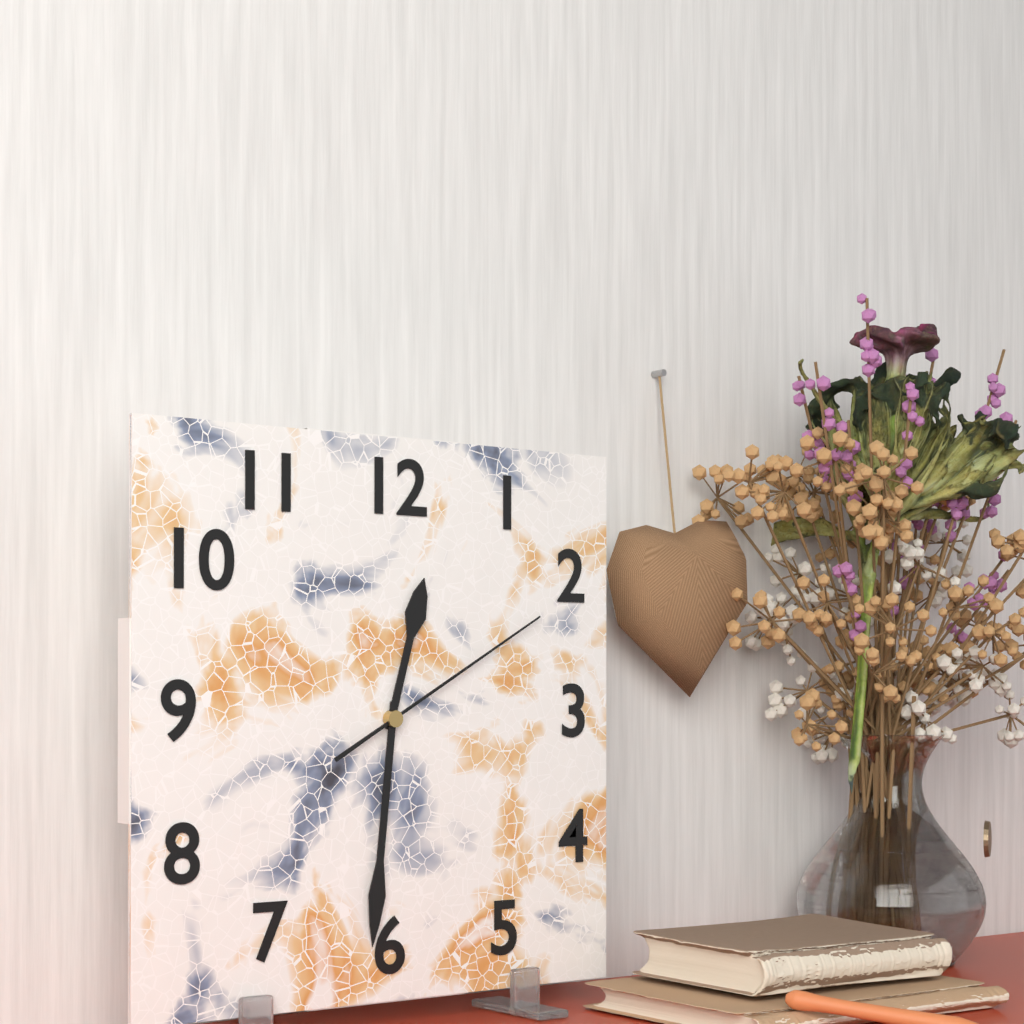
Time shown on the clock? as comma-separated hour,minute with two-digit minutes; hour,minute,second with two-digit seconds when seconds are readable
12,31,10
